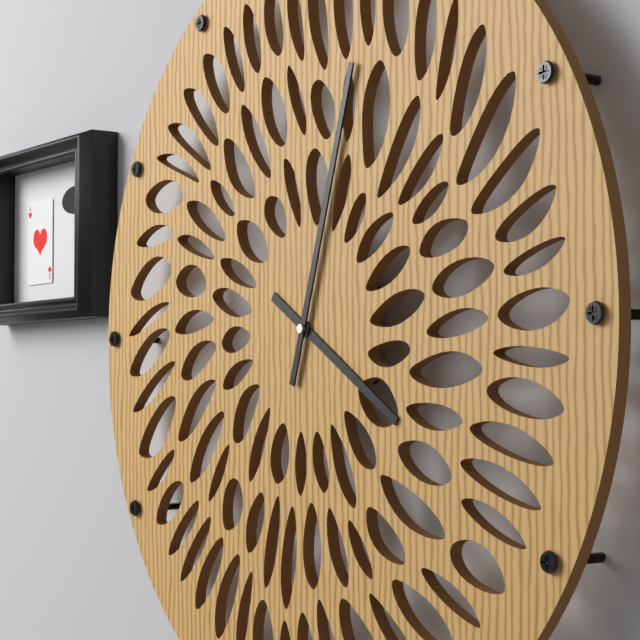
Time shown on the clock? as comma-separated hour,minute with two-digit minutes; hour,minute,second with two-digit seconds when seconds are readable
4,03
